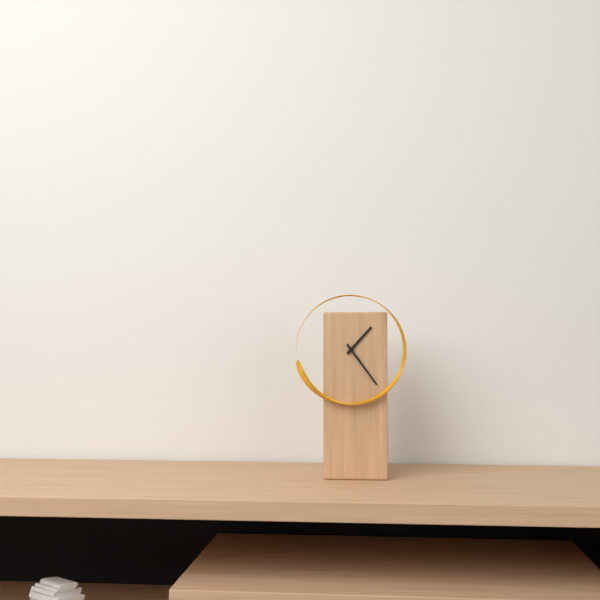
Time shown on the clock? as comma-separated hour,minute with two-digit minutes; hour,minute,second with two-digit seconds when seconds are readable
1,24
